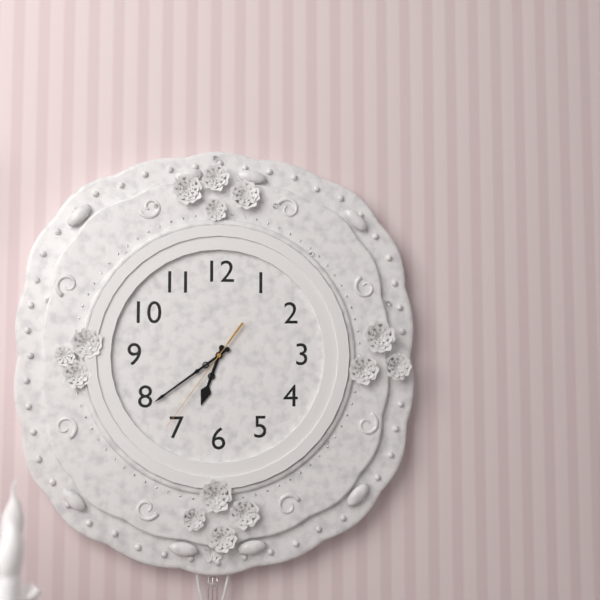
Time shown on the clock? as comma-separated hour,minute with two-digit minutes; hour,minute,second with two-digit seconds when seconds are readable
6,39,36
